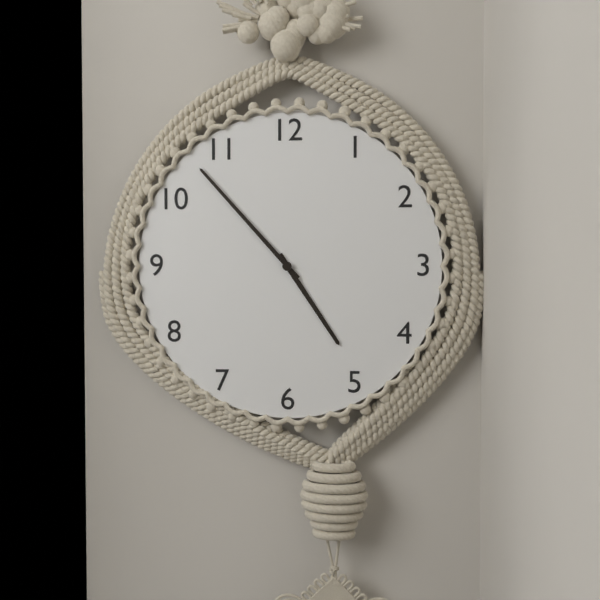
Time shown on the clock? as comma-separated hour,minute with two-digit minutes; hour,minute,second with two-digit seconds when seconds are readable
4,53
